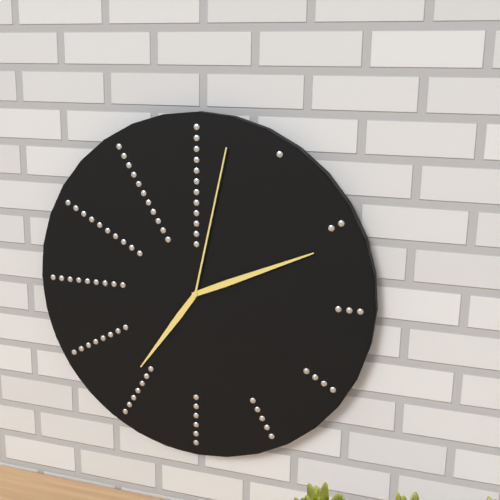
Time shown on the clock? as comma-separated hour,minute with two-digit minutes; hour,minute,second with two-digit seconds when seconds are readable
7,11,02
